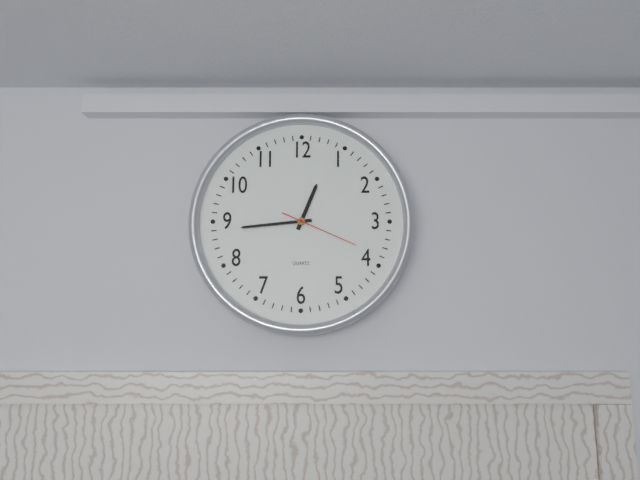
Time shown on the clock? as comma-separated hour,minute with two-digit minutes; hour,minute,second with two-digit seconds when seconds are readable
12,44,19
